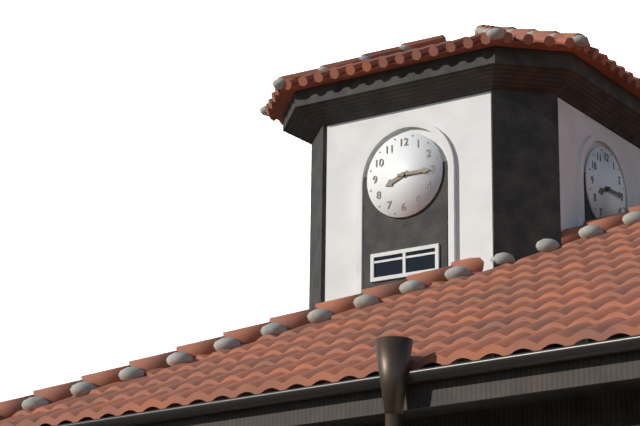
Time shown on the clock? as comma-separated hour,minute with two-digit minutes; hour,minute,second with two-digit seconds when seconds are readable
8,15
